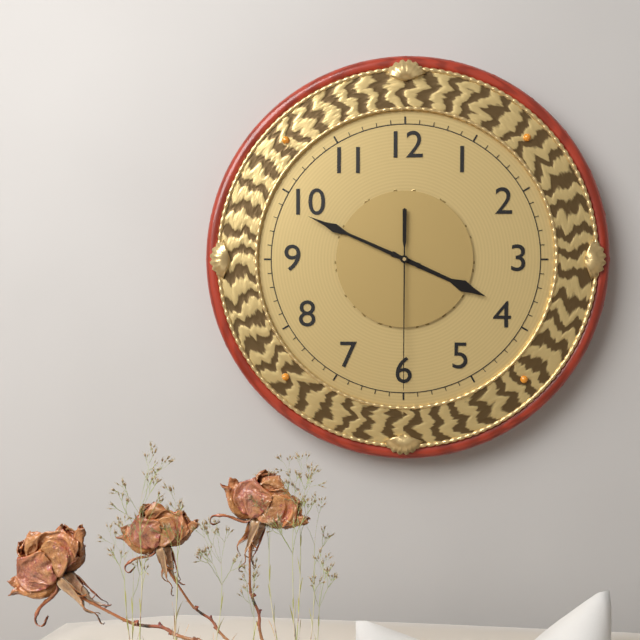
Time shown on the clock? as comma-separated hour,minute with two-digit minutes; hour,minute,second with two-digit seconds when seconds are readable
3,49,30
